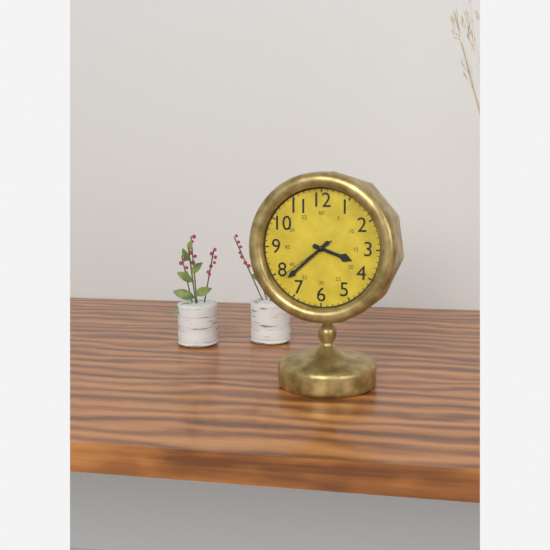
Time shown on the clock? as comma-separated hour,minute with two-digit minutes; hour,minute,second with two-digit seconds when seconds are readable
3,38,39
